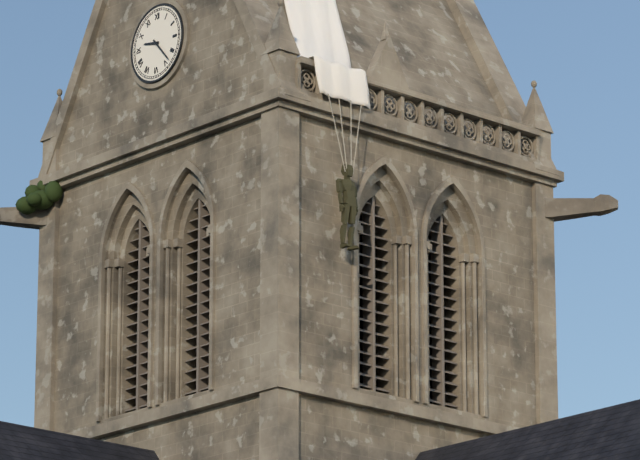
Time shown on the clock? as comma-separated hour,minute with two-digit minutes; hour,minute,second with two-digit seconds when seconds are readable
9,23
